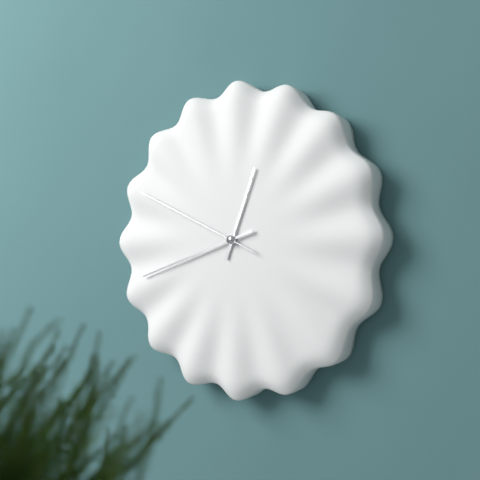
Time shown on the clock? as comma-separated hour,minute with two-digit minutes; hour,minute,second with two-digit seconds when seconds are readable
12,42,49
